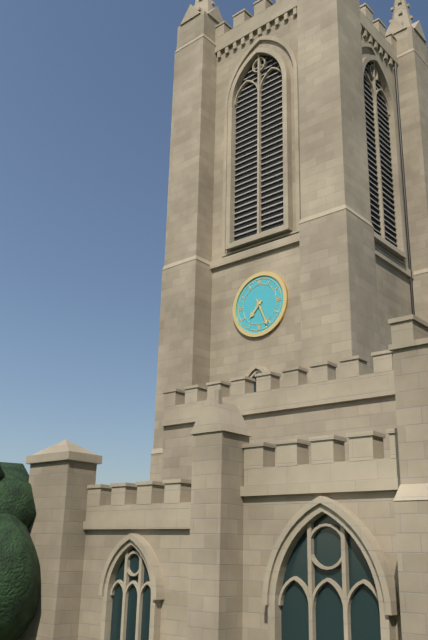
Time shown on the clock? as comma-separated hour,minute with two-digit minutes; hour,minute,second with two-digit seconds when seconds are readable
7,26
